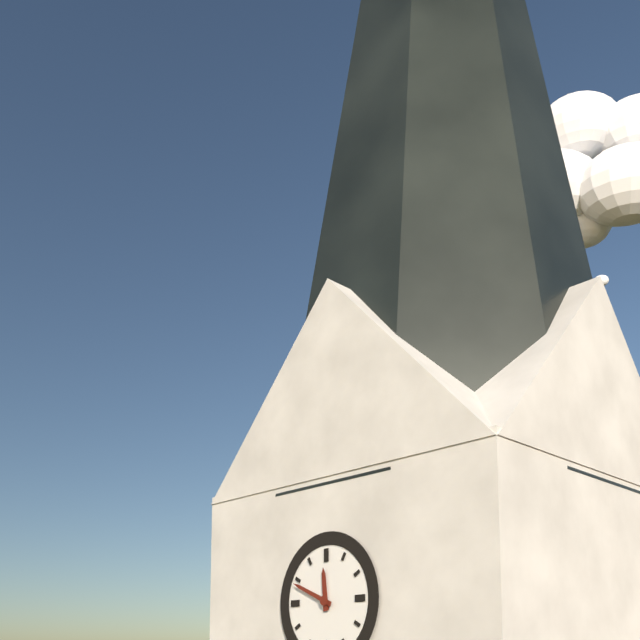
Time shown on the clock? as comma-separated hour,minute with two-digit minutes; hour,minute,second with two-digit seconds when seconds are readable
11,49
